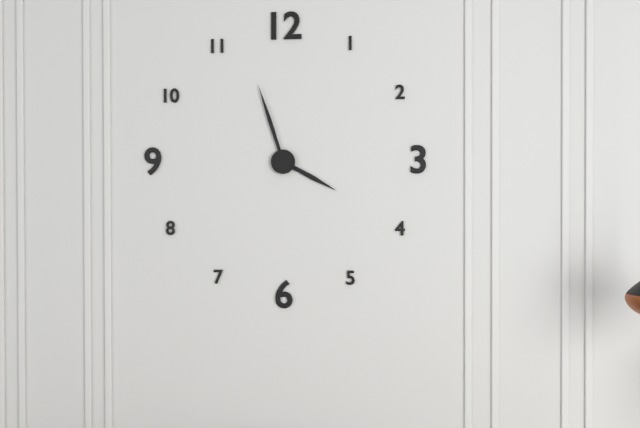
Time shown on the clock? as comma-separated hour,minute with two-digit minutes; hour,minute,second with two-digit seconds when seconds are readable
3,57
